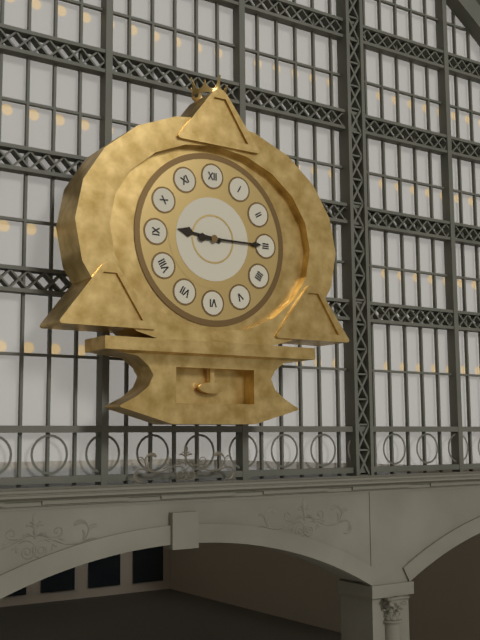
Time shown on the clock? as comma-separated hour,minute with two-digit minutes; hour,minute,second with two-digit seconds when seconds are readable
9,15
